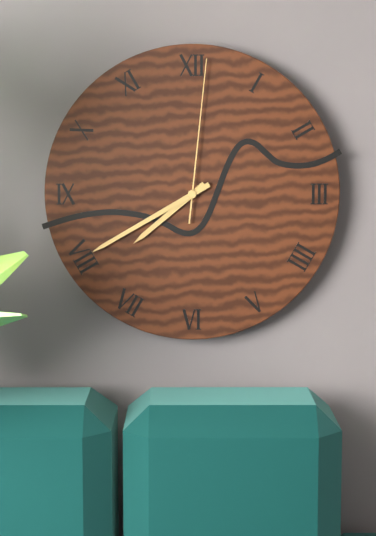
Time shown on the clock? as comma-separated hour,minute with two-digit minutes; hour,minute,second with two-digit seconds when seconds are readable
7,40,01
